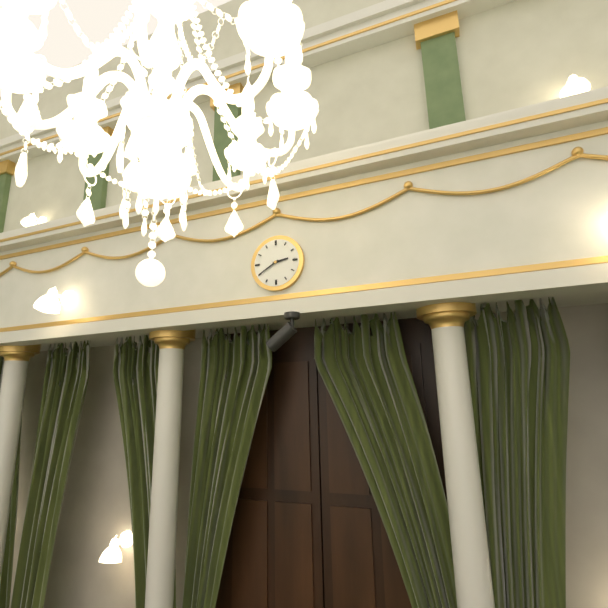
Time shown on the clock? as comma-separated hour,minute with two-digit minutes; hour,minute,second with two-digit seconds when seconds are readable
2,40
